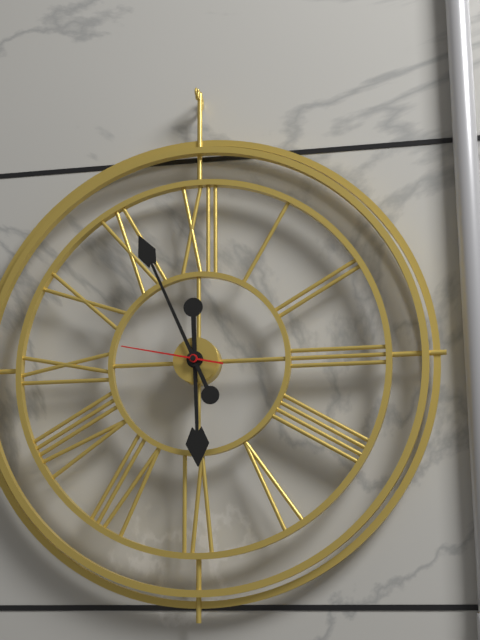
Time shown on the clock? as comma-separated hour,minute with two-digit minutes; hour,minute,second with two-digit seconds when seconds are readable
5,56,47
